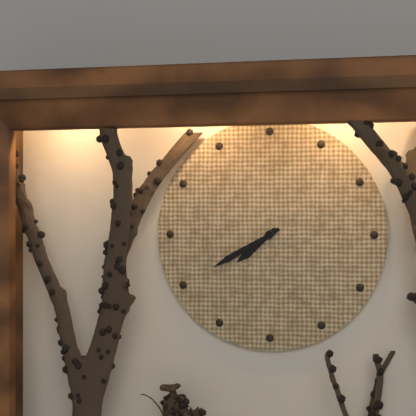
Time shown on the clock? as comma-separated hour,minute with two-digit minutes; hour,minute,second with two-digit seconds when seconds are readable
7,40
